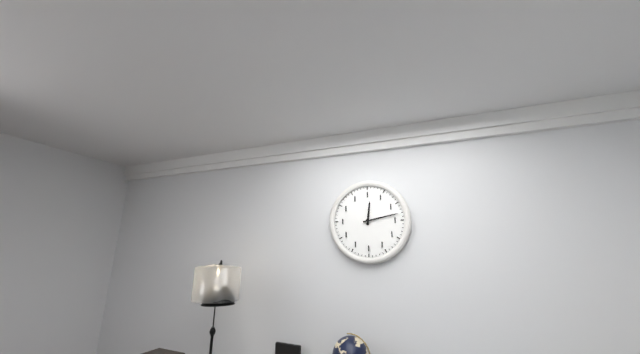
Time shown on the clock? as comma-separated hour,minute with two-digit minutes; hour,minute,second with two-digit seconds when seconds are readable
12,13
